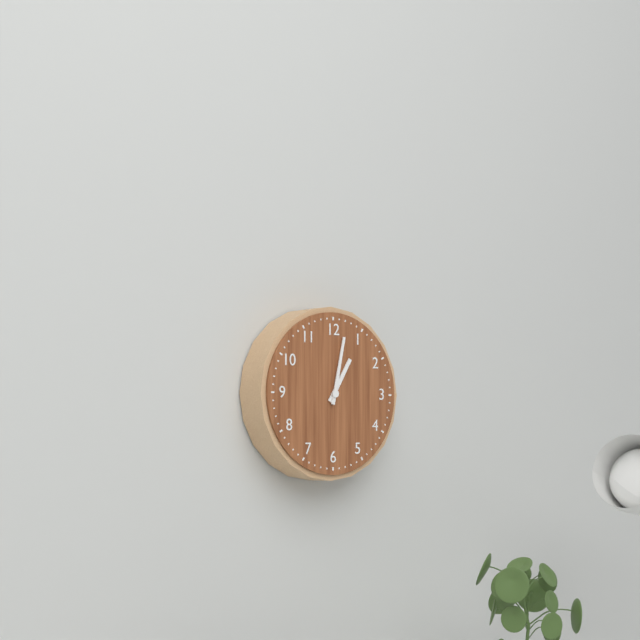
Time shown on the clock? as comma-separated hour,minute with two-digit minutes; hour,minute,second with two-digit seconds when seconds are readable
1,02
